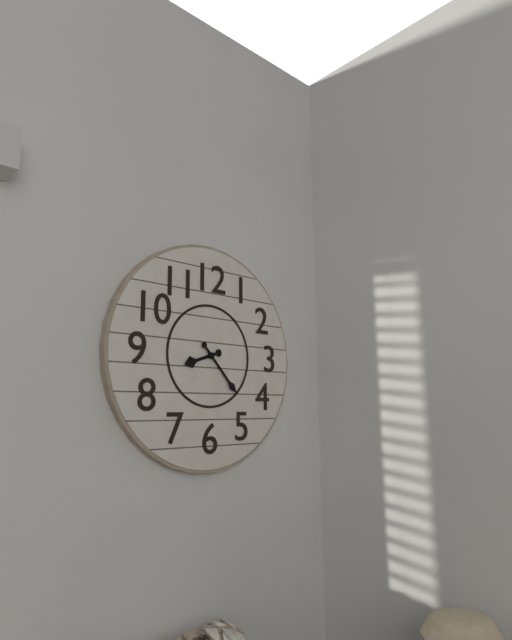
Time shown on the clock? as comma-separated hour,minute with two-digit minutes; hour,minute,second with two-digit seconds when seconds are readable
8,23
